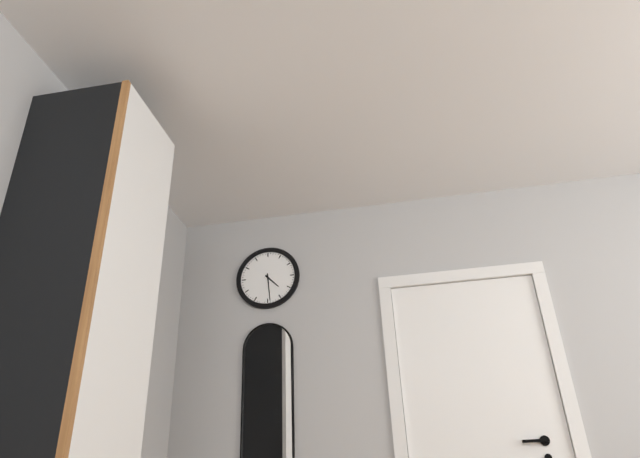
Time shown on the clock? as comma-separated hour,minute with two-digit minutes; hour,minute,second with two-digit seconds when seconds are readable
4,29
